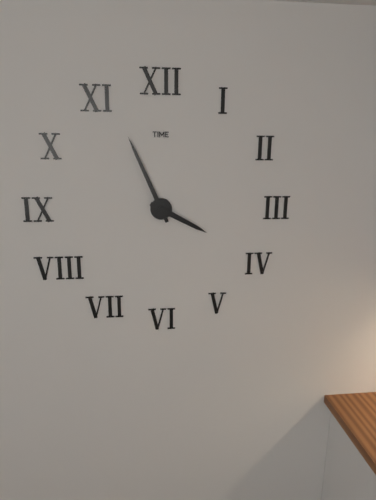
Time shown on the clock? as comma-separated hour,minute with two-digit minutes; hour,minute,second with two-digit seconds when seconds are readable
3,56
